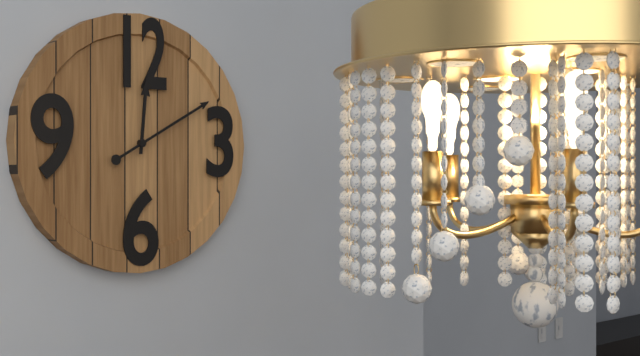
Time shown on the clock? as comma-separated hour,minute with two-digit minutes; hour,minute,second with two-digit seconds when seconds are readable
12,10
